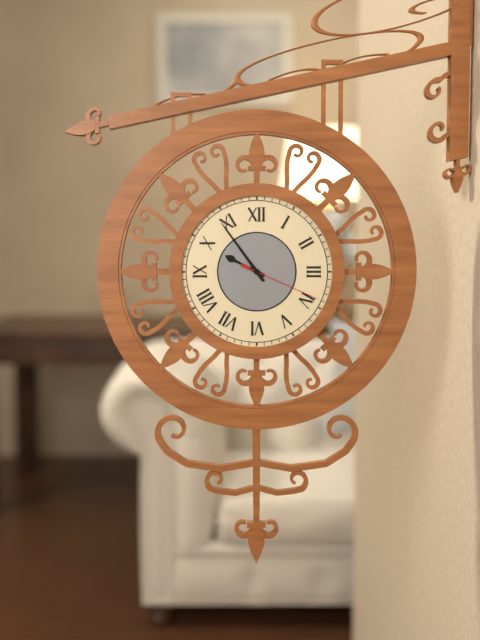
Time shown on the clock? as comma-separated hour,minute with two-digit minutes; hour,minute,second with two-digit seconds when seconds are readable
9,54,19
